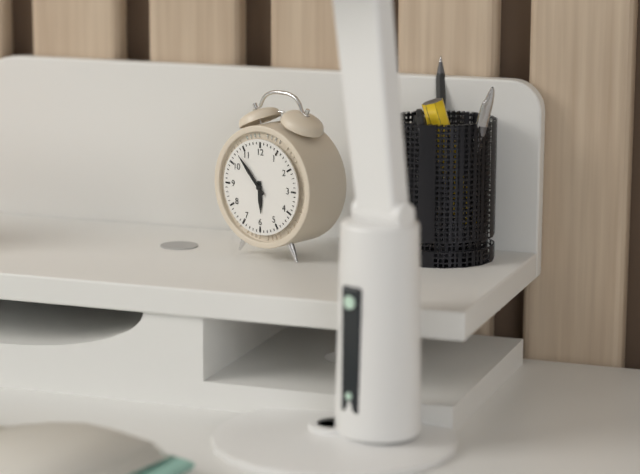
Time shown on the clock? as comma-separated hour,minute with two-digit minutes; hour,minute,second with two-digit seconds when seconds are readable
5,53
